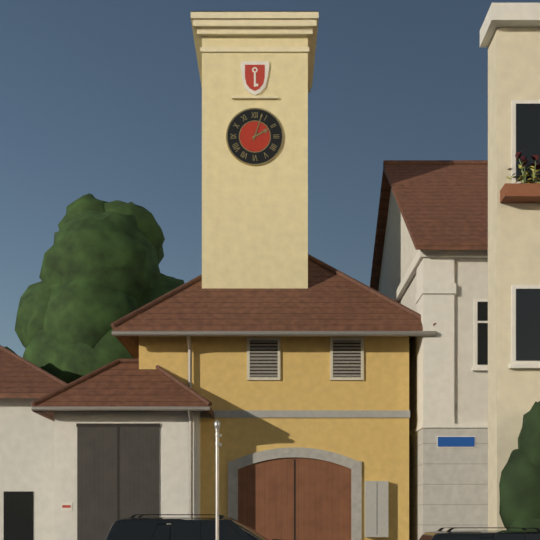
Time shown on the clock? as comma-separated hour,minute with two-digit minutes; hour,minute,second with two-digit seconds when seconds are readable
2,03
